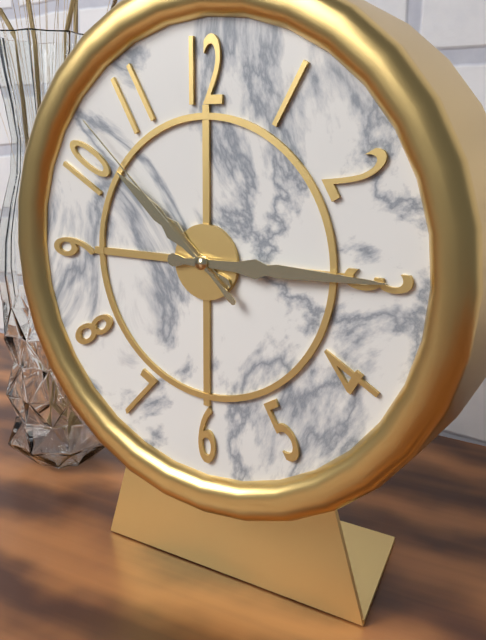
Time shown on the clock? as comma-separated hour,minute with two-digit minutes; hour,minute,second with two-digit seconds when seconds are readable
10,15,52
